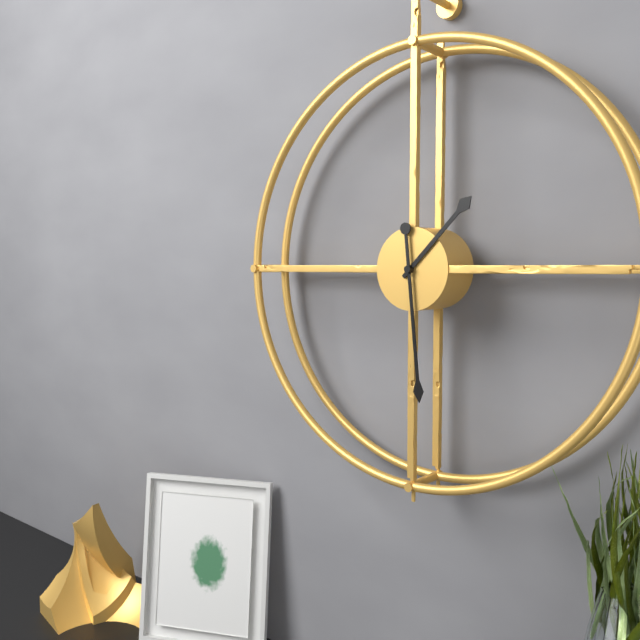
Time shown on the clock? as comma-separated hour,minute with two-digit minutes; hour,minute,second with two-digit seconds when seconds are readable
1,29
